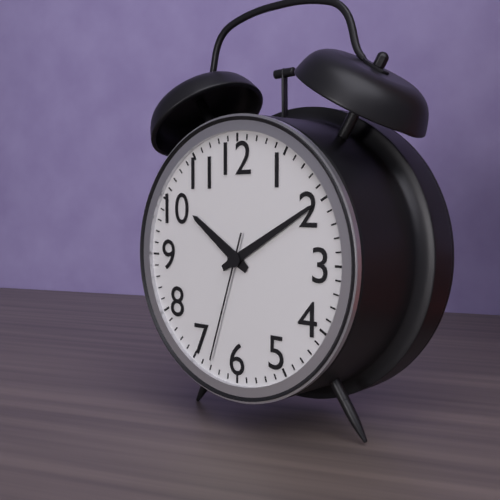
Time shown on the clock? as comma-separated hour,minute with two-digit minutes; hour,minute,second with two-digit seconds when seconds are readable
10,10,33
